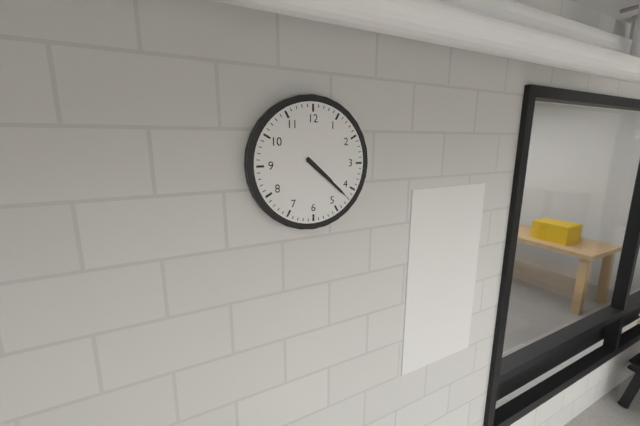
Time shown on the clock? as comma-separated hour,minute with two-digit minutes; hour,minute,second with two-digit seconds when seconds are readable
4,22
